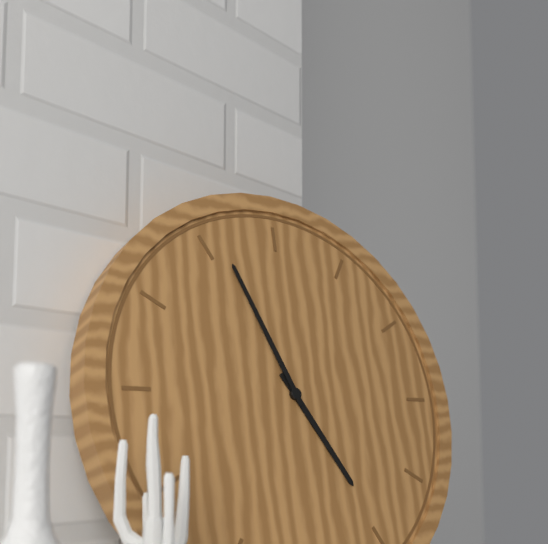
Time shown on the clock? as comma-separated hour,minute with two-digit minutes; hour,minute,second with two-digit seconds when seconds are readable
4,56
